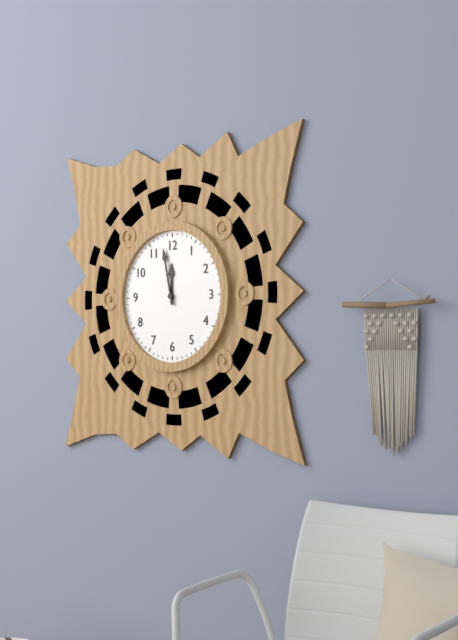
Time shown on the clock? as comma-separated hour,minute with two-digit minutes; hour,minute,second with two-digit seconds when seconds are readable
11,58
